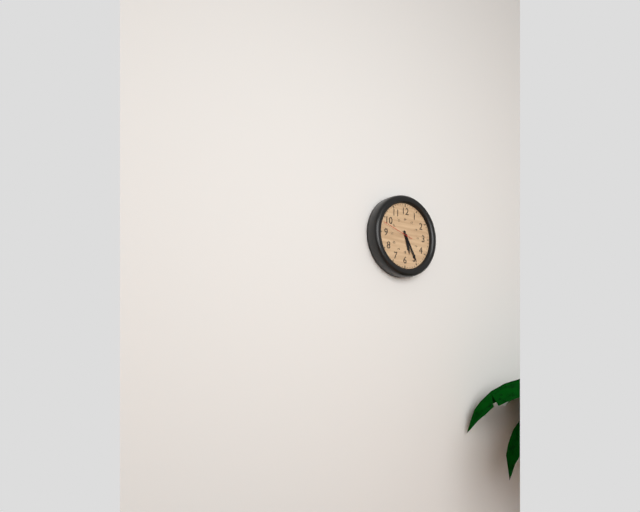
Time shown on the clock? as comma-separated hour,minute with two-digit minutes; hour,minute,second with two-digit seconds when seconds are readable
5,25
